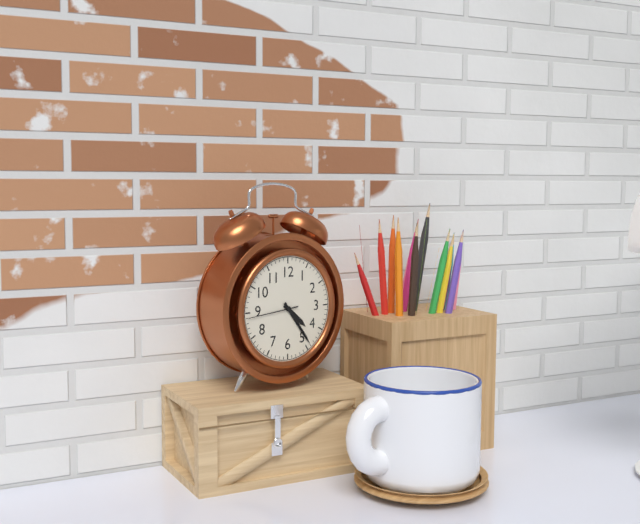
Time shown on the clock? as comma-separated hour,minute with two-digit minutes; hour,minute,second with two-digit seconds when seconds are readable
4,24,44
